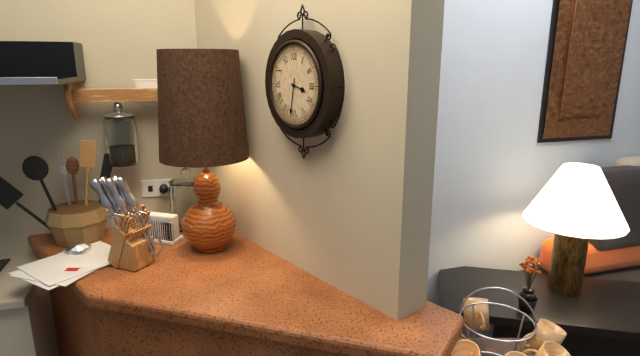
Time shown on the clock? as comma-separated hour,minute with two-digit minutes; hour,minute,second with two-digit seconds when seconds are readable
3,32
